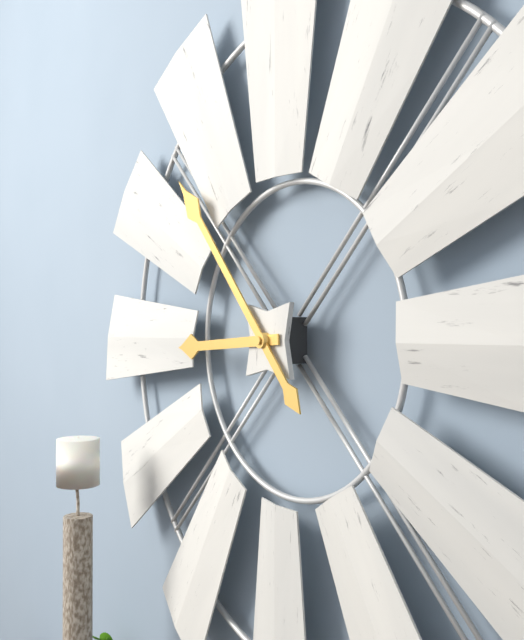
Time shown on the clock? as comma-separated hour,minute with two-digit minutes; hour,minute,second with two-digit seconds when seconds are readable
8,53
